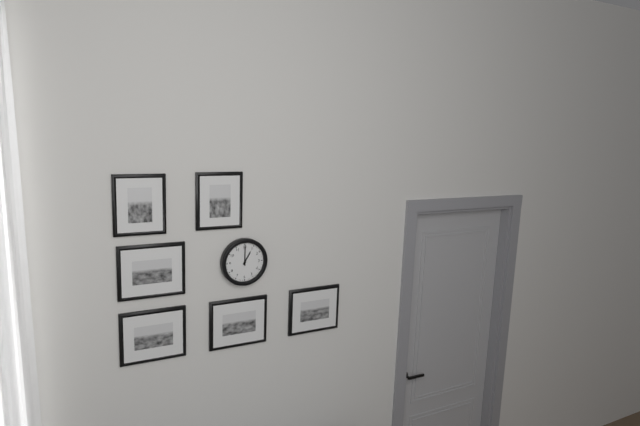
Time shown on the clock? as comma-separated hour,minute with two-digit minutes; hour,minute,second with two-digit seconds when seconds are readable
1,00
